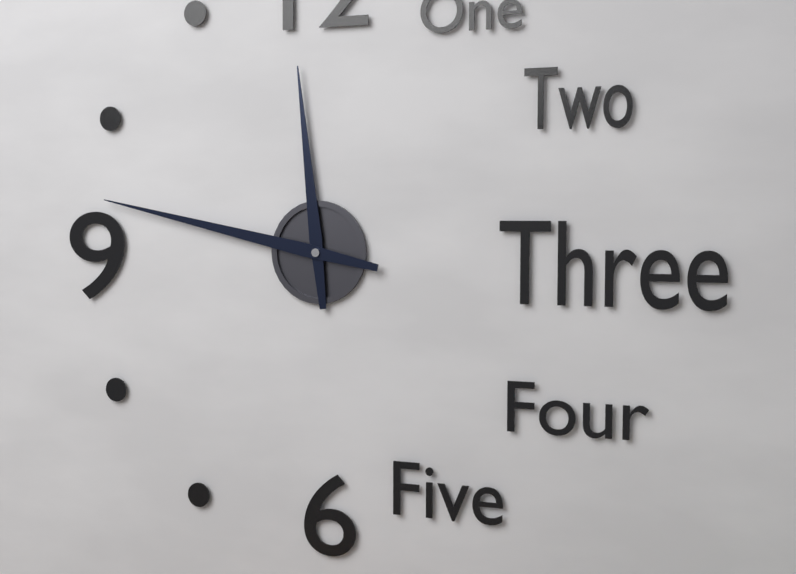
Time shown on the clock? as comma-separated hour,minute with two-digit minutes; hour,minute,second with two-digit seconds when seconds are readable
11,47
